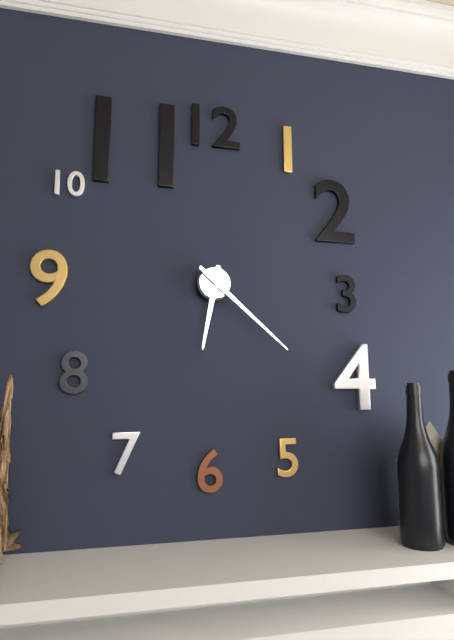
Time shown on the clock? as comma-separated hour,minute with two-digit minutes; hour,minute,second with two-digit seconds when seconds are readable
6,22
